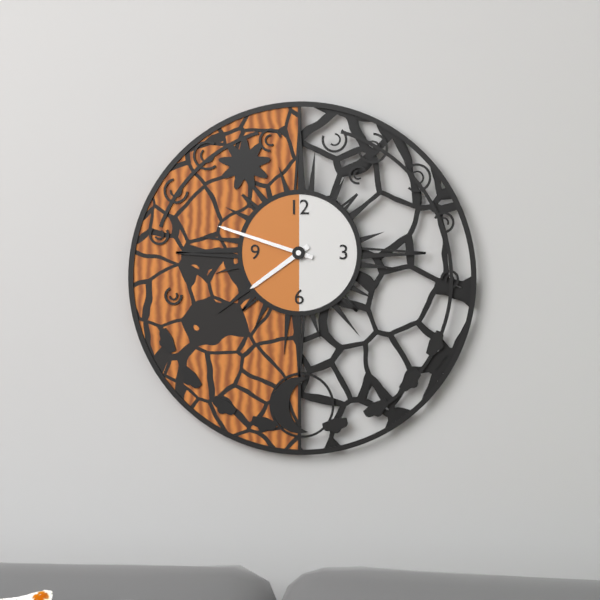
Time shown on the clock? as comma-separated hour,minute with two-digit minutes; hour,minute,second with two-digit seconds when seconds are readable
7,48
